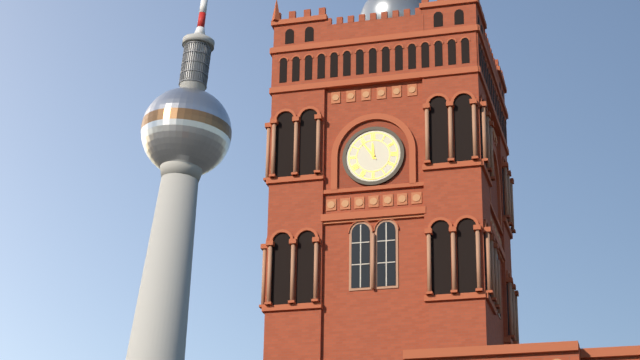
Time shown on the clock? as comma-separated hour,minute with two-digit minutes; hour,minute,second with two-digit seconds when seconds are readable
11,54
